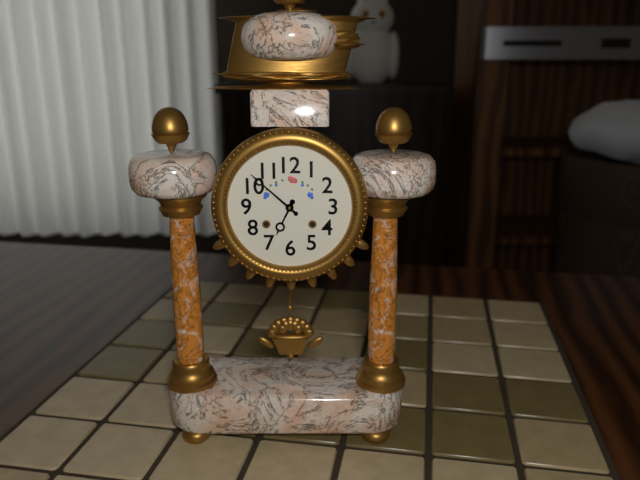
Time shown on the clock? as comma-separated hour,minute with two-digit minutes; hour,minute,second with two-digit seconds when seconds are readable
6,52
